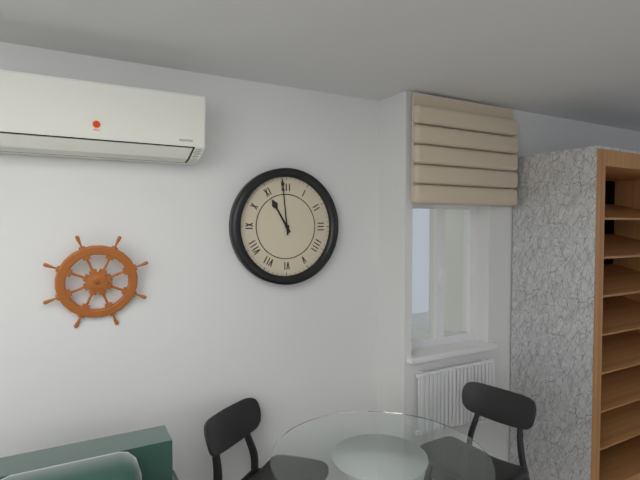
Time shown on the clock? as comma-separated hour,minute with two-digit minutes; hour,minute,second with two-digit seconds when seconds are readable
10,59
